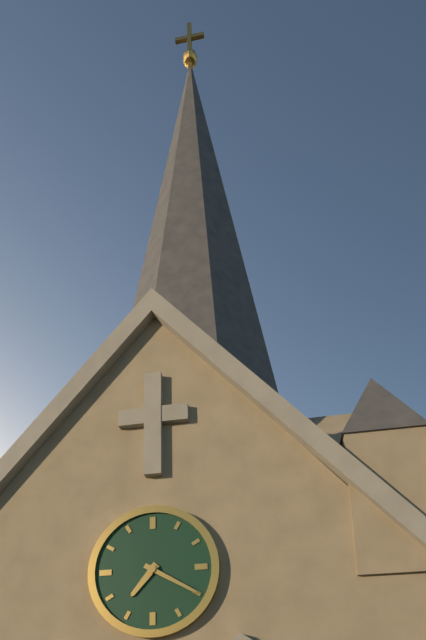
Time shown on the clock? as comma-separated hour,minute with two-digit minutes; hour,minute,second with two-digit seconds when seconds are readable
7,20
